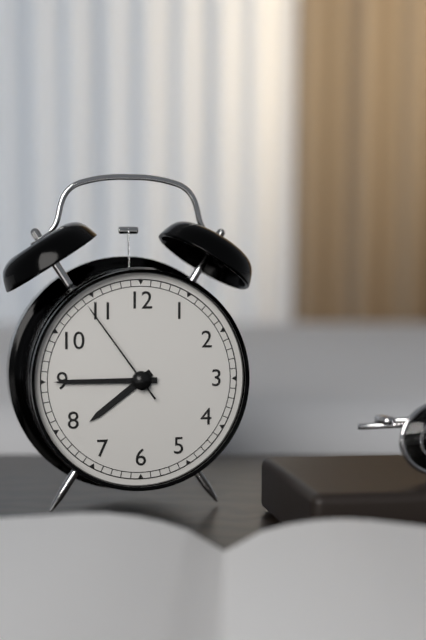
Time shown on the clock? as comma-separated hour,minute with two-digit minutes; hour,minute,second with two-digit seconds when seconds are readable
7,45,54
